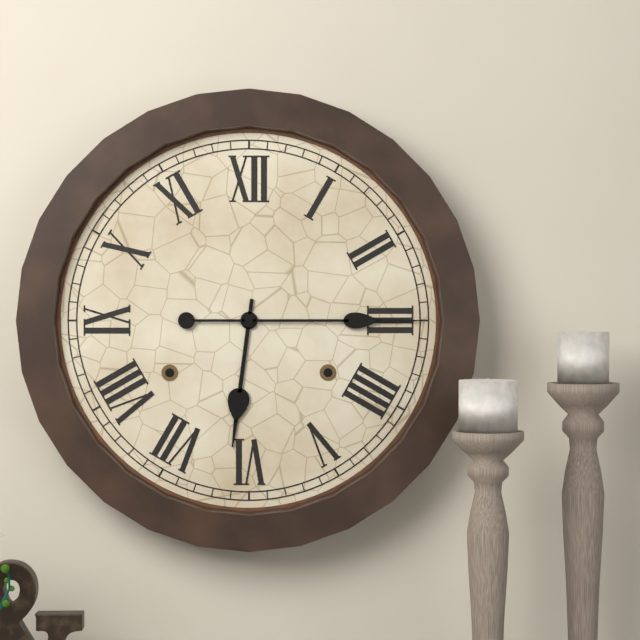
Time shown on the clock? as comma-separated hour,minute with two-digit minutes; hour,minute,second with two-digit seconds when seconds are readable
6,15
